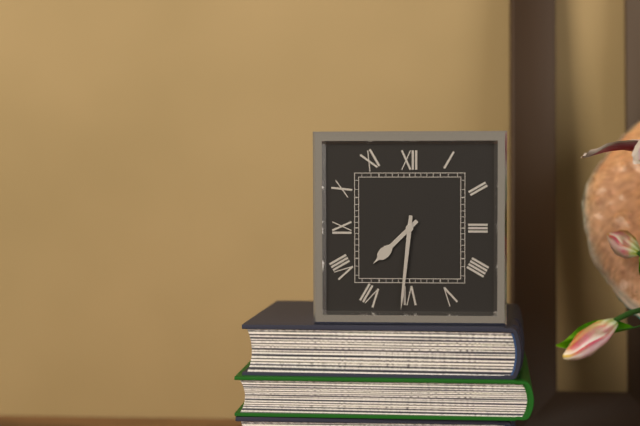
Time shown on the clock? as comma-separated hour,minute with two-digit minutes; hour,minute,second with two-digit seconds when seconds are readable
7,31
